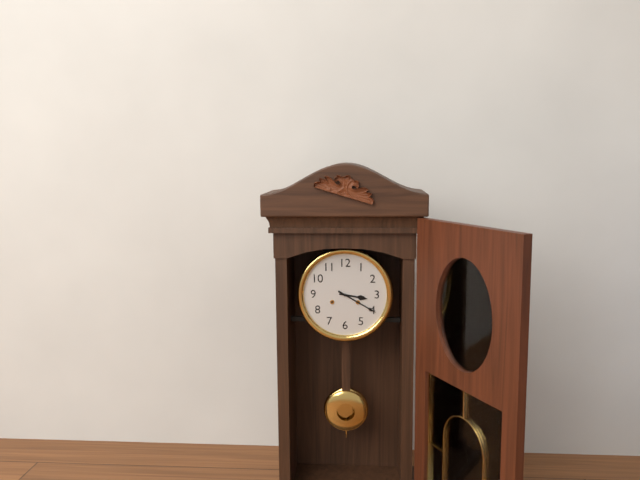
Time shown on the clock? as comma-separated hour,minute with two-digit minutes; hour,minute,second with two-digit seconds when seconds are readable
3,20
